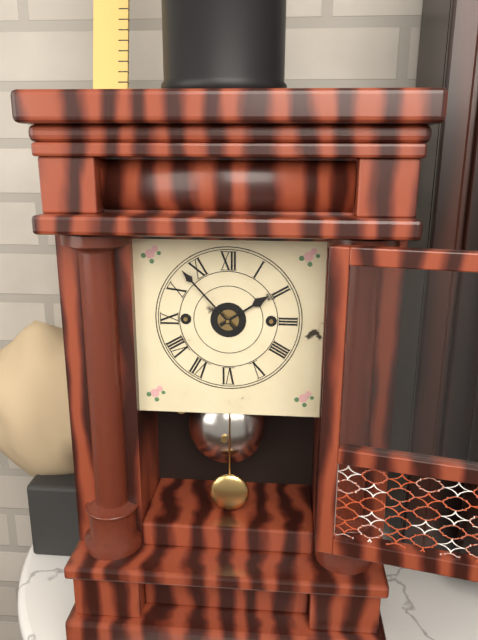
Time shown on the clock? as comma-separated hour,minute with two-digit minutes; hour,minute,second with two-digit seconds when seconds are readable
1,53
